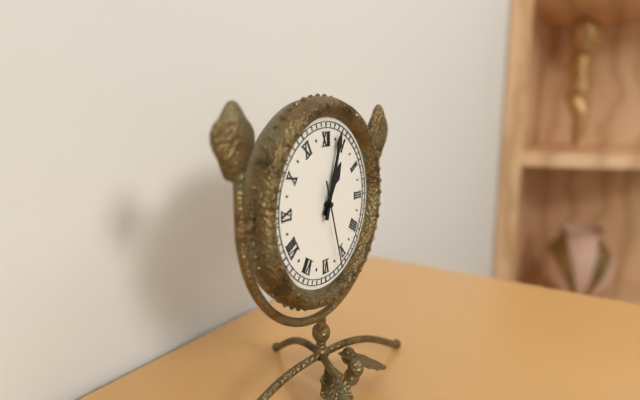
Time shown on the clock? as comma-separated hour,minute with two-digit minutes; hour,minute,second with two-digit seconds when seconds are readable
1,03,27
